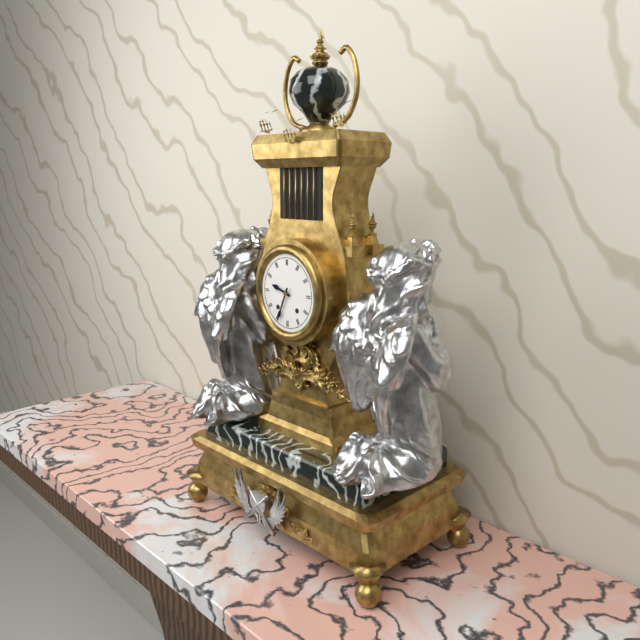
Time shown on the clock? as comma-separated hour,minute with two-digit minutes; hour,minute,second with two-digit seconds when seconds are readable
9,34
